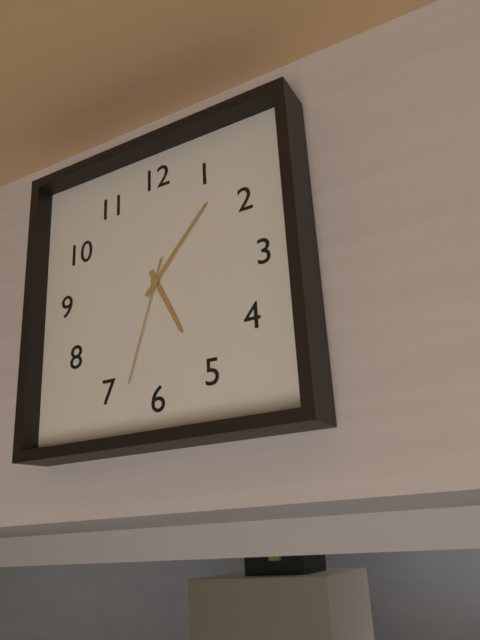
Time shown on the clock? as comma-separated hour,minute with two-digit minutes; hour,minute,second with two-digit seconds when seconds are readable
5,07,33
